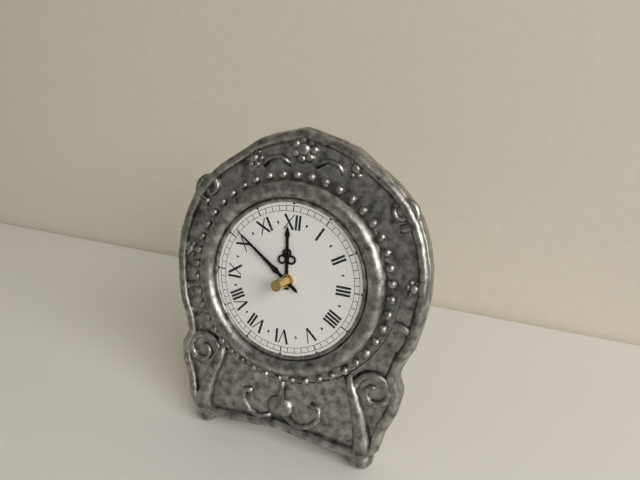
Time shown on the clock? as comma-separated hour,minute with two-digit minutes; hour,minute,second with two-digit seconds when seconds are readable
11,51
